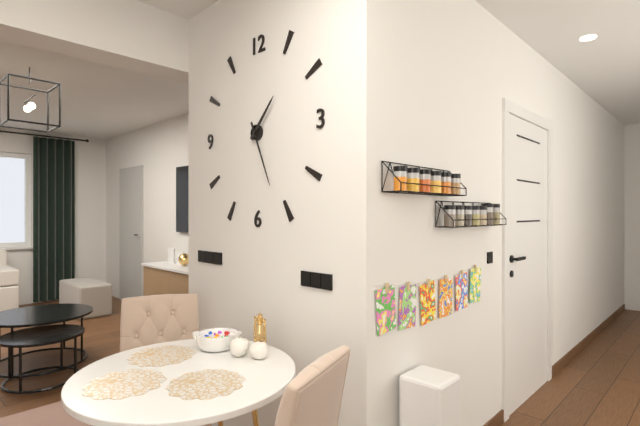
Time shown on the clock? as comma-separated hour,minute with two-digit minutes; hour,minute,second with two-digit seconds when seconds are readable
1,26
